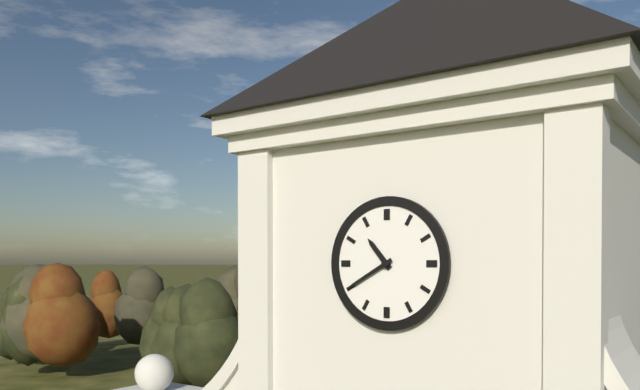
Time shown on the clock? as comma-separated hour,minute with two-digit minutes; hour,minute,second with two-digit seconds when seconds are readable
10,40
